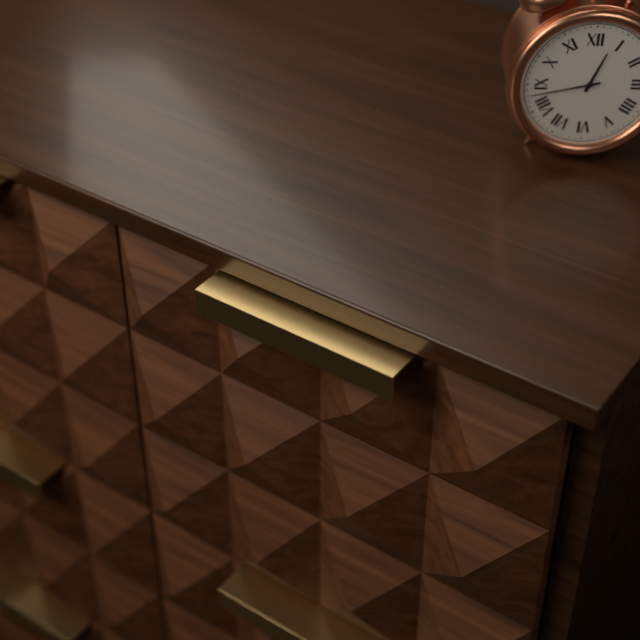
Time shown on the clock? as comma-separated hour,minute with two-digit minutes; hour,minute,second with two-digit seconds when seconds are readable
12,43
